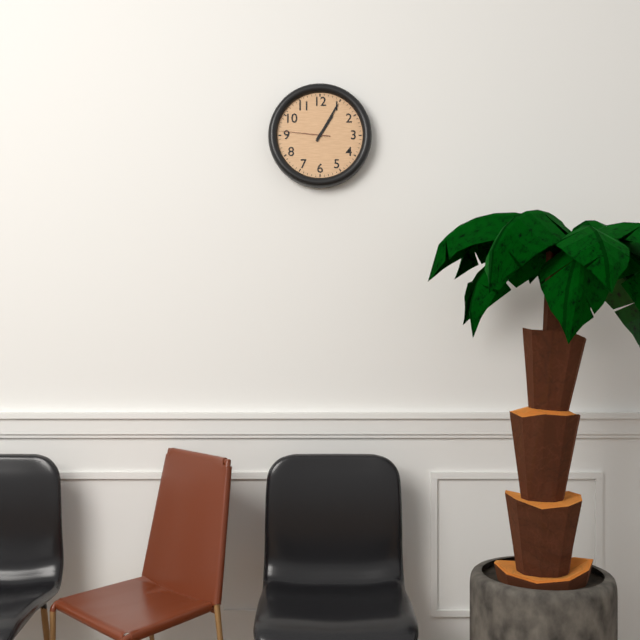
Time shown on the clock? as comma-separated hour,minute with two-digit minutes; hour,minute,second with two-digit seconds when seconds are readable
1,05
